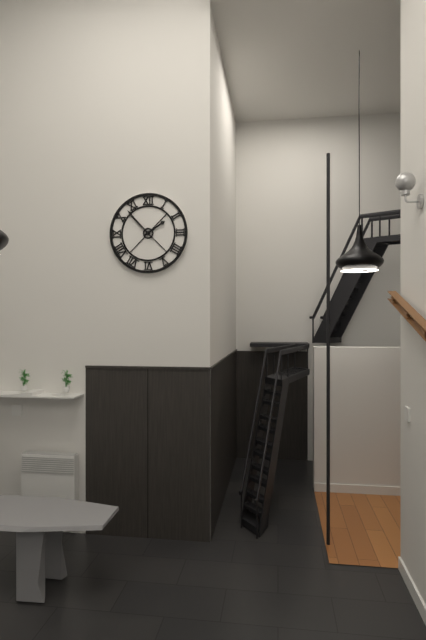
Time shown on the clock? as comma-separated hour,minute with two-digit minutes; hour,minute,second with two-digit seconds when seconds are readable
1,53
